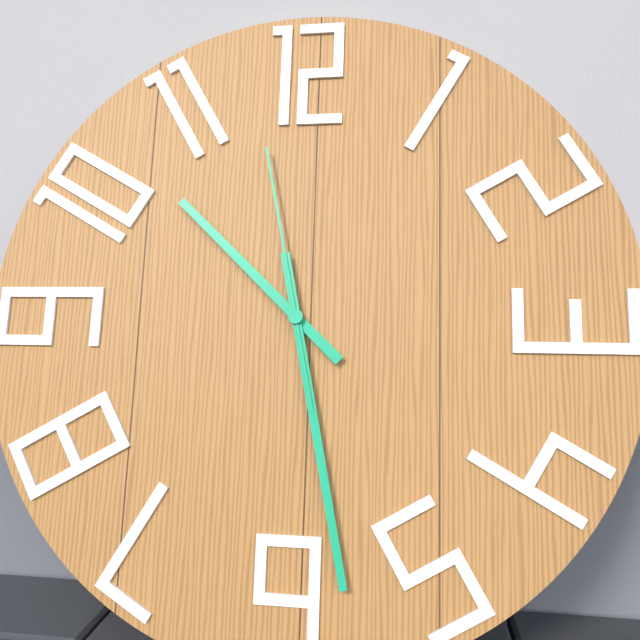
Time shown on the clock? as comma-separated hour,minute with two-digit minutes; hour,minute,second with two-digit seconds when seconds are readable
10,28,58
